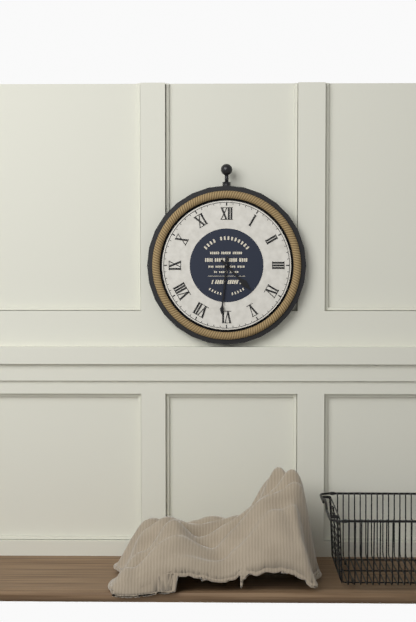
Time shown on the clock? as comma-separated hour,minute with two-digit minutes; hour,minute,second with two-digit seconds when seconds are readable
4,31
